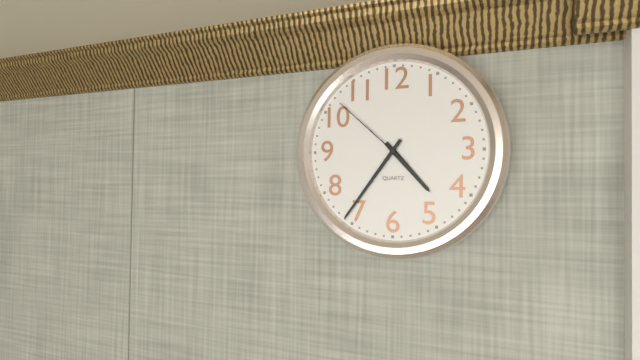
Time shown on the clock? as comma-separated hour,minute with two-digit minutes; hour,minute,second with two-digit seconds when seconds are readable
4,36,52
